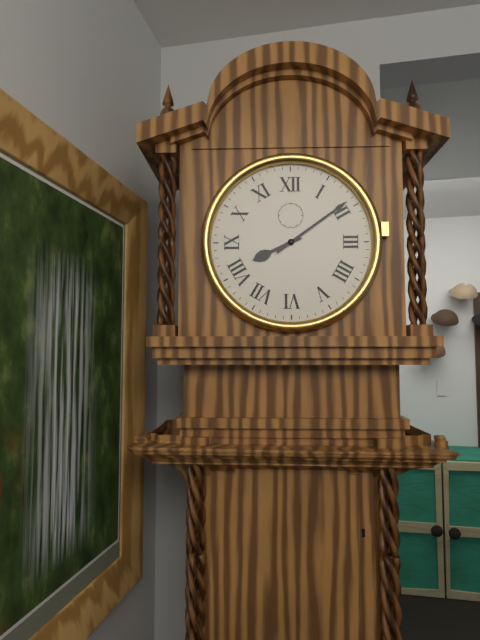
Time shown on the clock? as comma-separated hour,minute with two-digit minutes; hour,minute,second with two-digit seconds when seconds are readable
8,09
